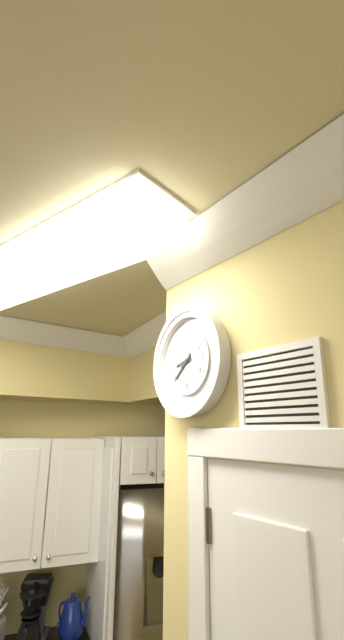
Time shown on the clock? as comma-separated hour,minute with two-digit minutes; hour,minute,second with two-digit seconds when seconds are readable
8,38
